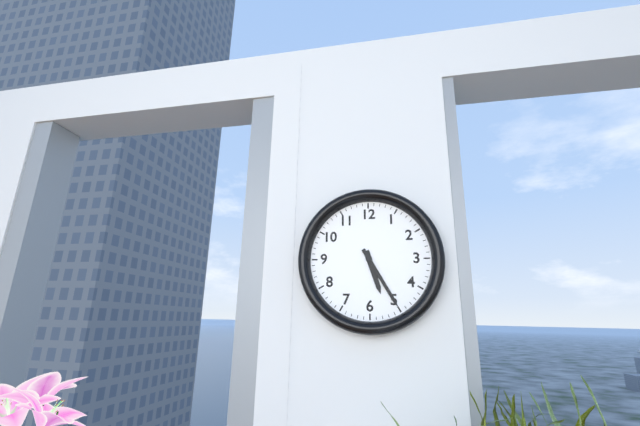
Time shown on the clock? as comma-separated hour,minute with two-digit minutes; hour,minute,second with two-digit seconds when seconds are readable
5,25
